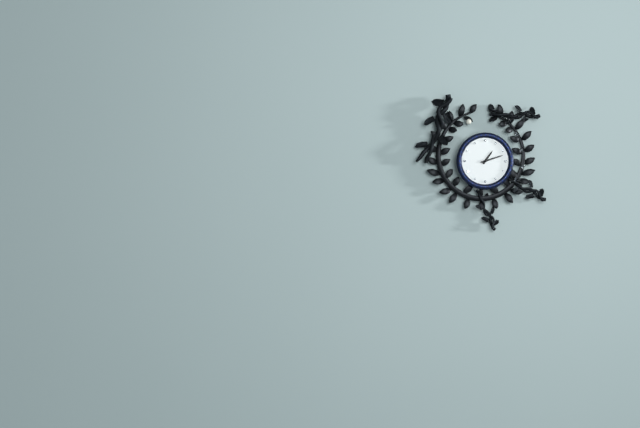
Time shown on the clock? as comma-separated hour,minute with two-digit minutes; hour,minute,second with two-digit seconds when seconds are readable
1,12
